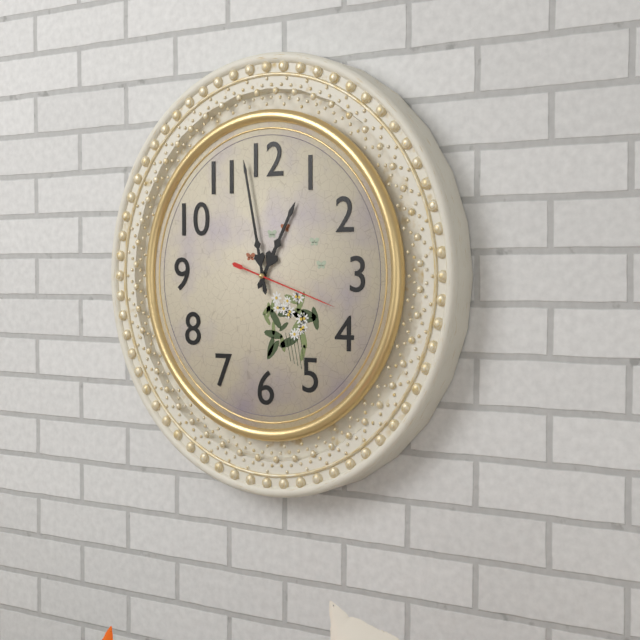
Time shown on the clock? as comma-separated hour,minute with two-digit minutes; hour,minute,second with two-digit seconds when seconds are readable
12,58,18
